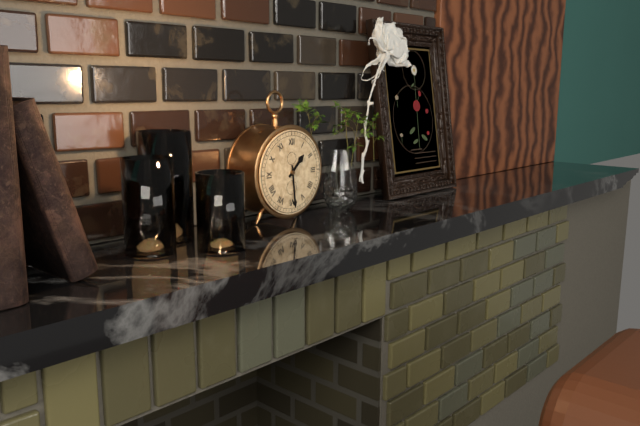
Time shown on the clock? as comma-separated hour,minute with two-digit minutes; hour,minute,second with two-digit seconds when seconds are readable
1,29
